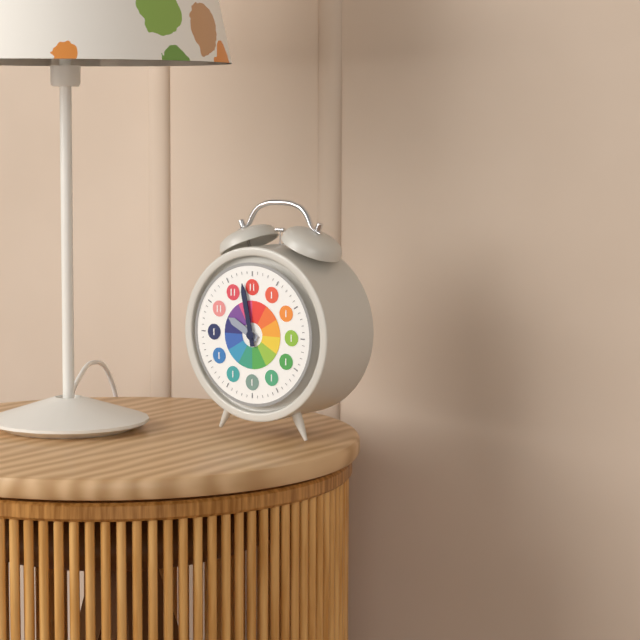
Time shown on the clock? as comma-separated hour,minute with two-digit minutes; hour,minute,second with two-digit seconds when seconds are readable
9,58
